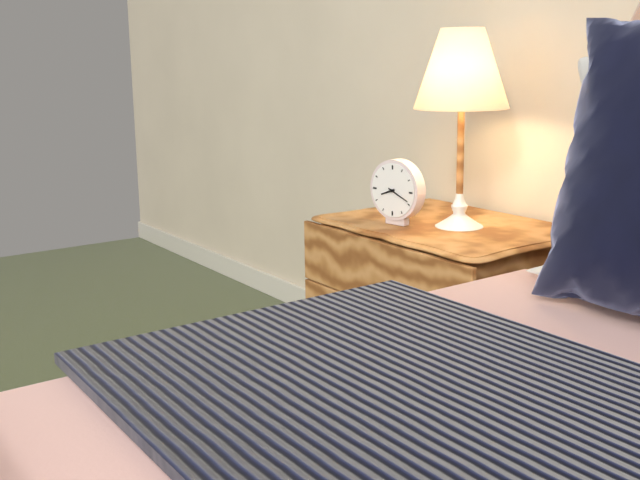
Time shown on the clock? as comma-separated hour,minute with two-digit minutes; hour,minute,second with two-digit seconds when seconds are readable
8,19
